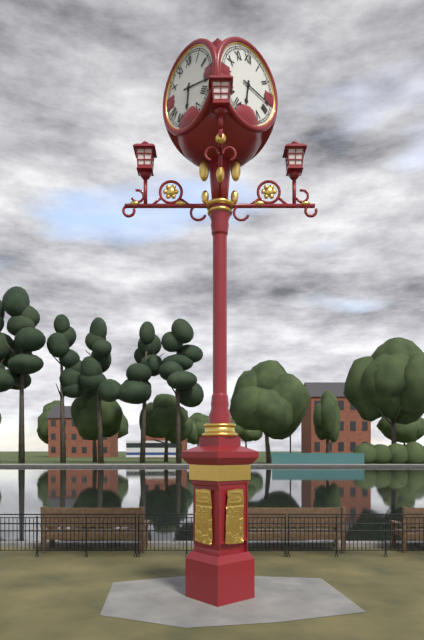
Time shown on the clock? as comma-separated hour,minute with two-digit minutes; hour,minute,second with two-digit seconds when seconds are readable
6,17
